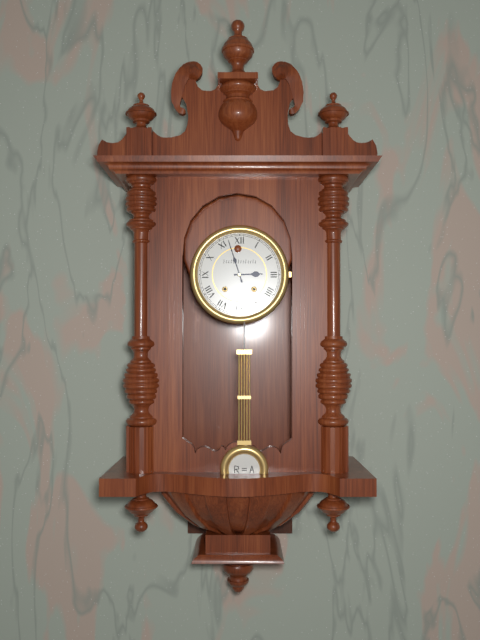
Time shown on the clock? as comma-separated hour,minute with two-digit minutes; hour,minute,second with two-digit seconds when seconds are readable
2,57
